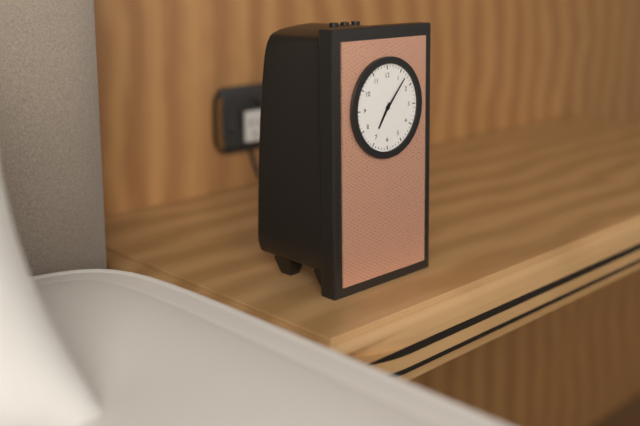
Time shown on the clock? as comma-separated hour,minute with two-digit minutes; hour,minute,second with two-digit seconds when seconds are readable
7,07
